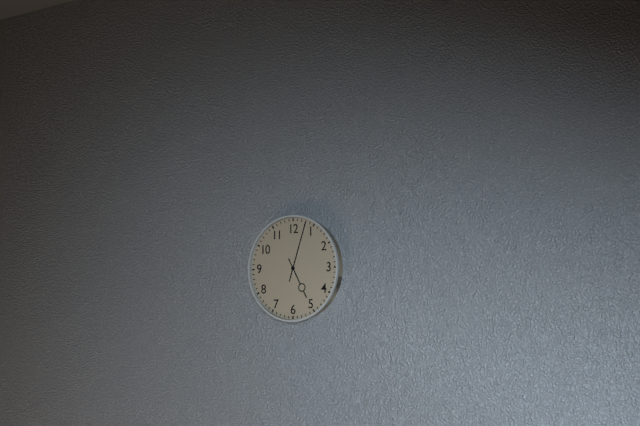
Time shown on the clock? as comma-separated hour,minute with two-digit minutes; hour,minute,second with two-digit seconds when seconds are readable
5,03
